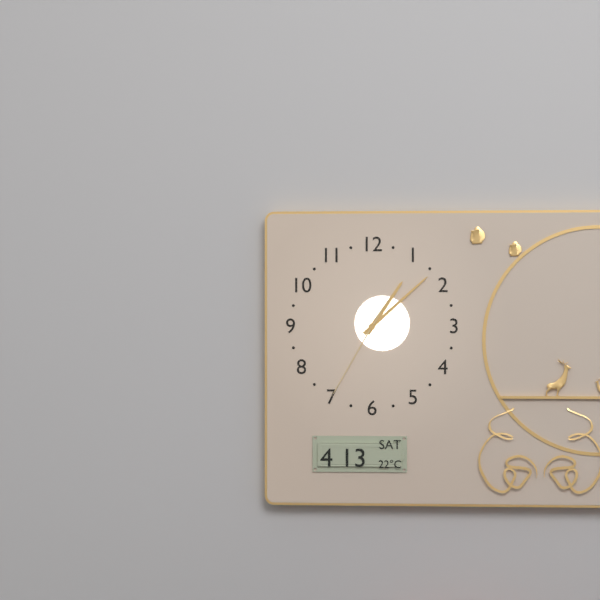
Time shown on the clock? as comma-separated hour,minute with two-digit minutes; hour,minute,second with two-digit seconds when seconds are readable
1,08,35
